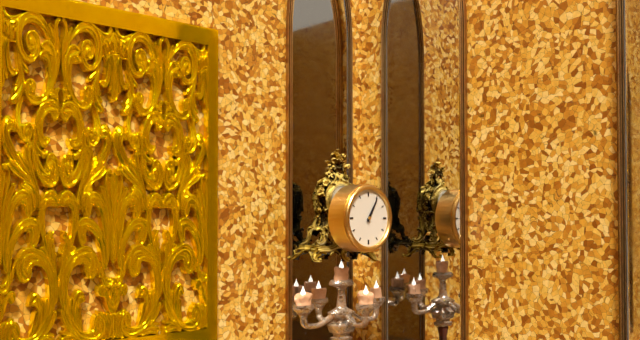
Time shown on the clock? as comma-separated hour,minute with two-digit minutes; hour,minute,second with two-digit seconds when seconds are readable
1,05
